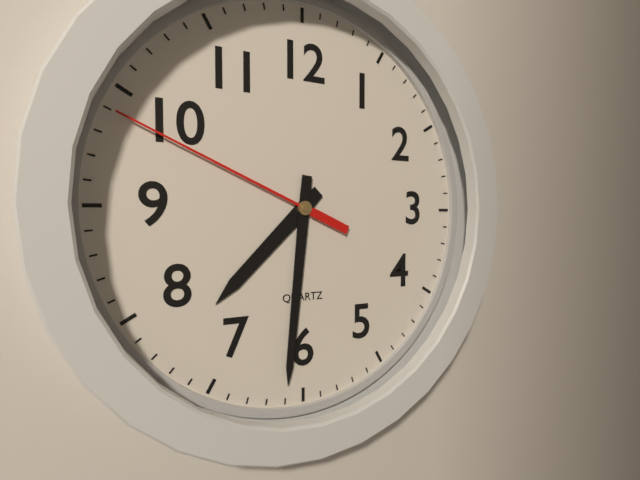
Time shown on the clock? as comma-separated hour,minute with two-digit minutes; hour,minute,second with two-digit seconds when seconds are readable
7,31,49
